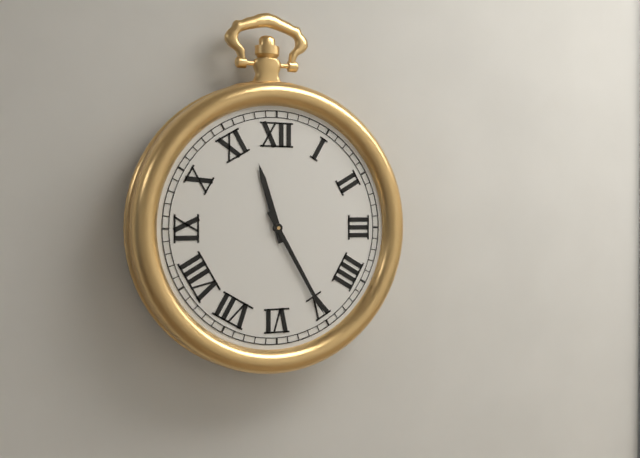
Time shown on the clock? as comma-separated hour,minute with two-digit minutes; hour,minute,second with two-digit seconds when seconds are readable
11,25
